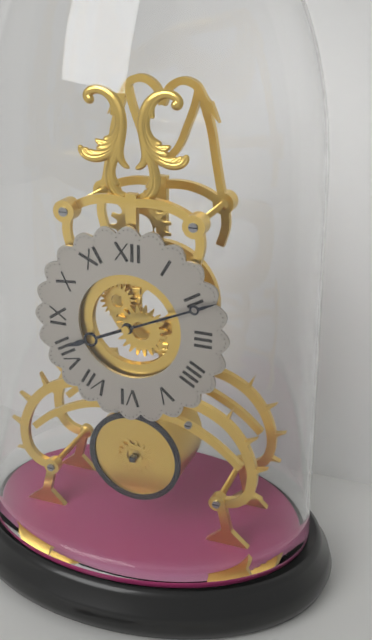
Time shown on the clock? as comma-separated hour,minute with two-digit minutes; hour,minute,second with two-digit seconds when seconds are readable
8,11
